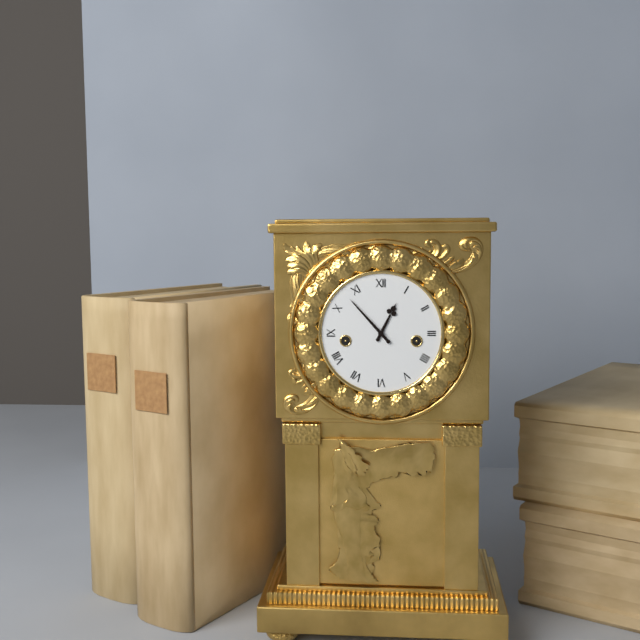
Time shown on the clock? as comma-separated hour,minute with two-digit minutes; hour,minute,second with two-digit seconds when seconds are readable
12,53
